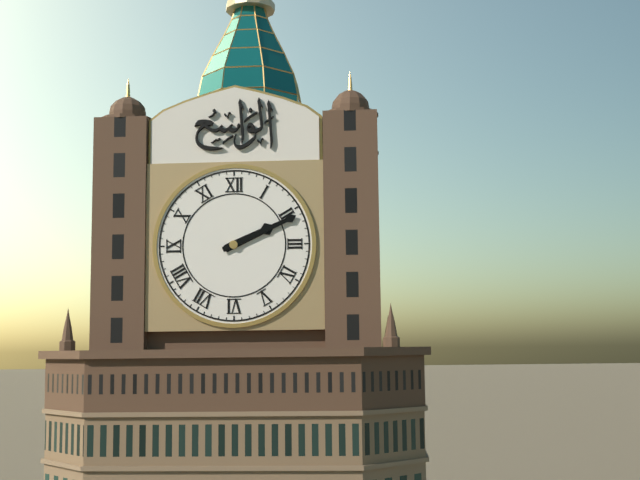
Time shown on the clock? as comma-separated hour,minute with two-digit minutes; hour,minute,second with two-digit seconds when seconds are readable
2,11
